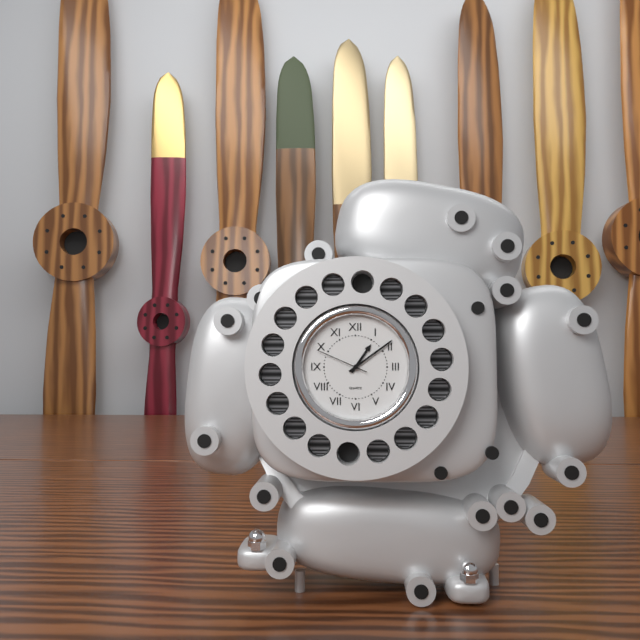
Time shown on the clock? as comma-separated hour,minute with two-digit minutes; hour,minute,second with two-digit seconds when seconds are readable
1,09,49
